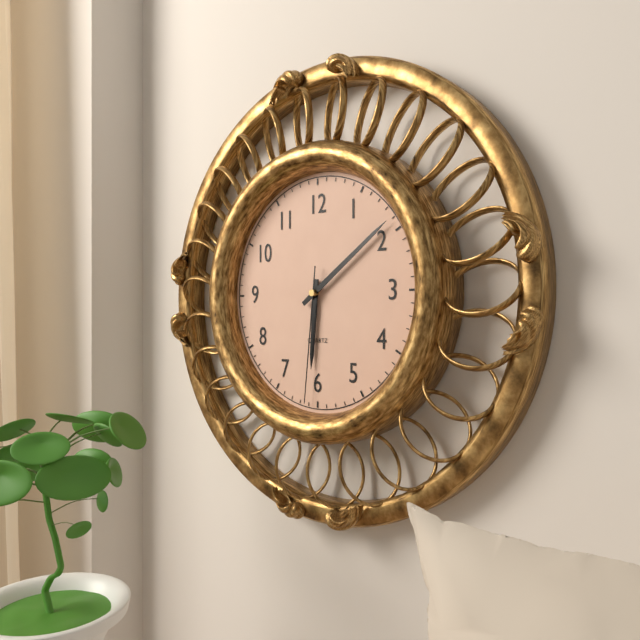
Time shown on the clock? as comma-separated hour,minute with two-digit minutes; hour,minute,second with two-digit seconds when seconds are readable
6,09,31
